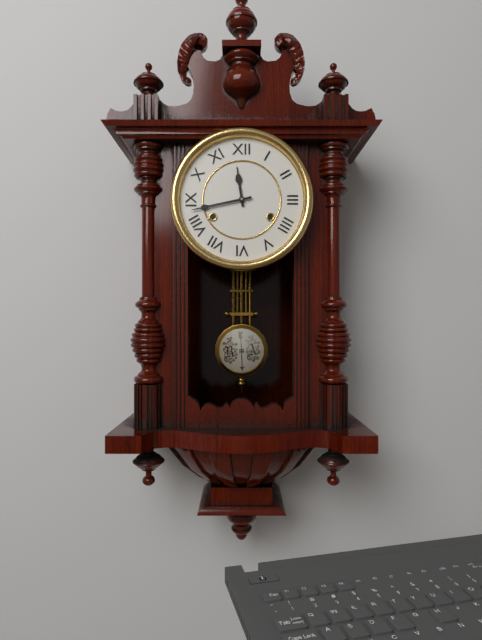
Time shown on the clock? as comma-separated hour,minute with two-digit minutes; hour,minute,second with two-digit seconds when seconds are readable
11,43
